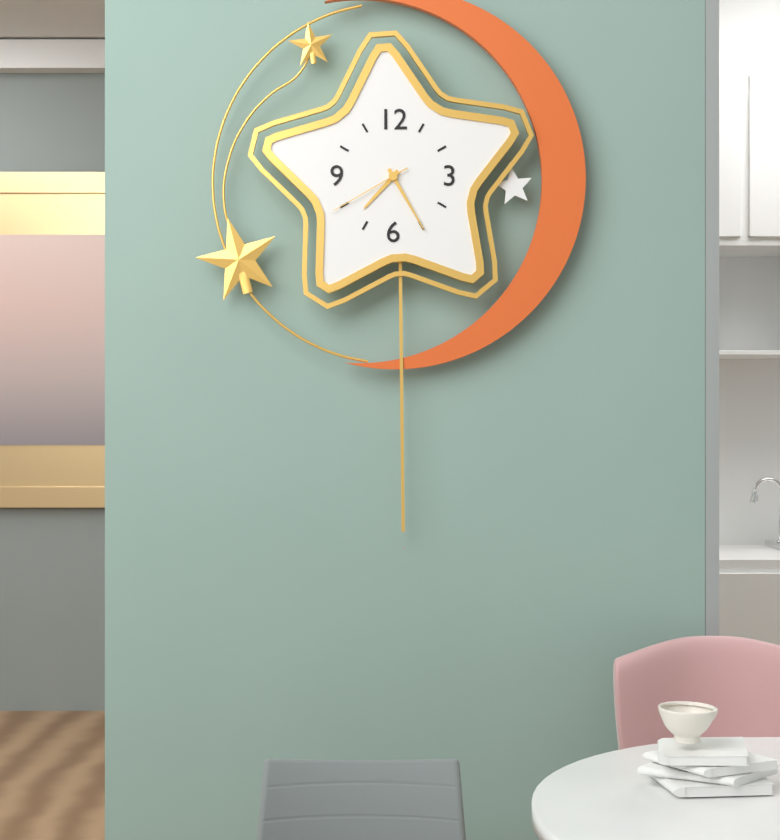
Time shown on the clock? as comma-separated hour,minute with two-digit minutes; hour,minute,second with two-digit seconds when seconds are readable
7,25,40
